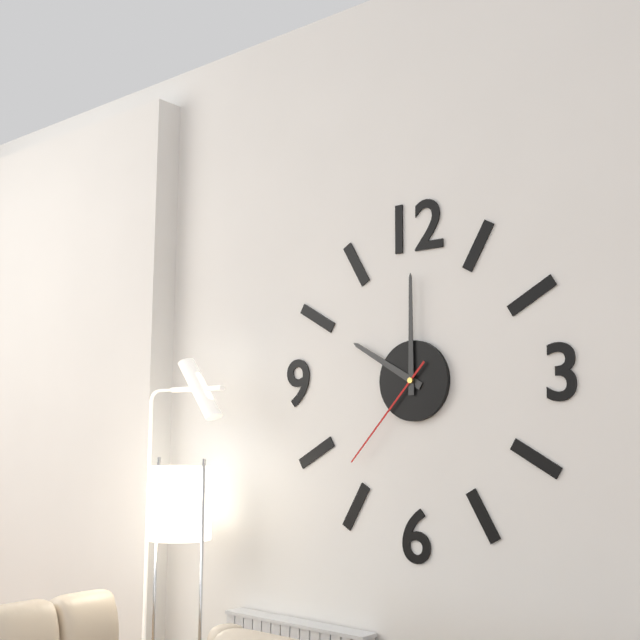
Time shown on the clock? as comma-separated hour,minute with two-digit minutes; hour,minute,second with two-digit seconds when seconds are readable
10,00,37
